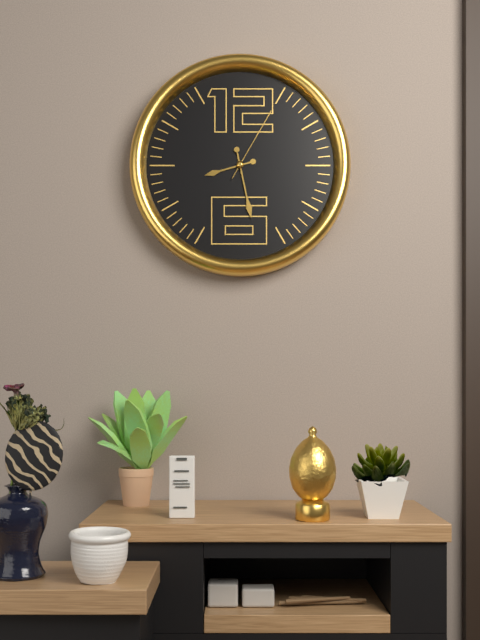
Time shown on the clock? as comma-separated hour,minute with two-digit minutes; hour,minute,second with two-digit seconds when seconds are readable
8,28,05
